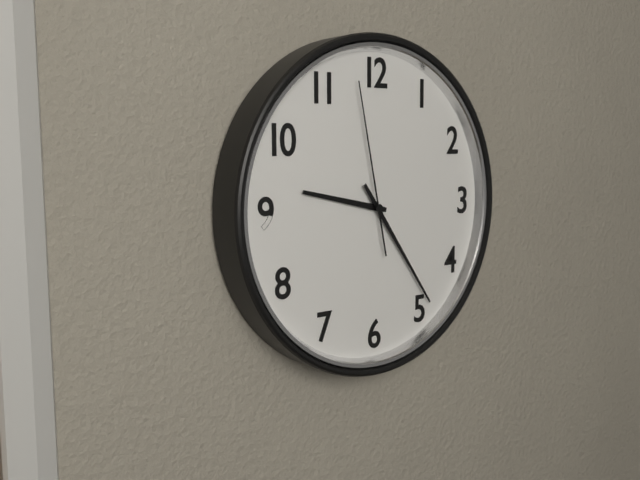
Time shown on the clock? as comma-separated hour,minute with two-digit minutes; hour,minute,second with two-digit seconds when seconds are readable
9,24,58
